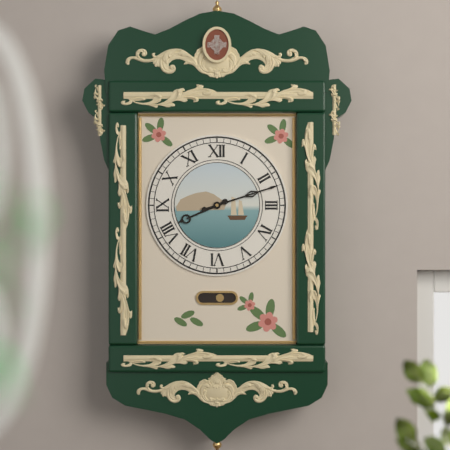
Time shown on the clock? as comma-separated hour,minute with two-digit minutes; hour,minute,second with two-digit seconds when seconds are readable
8,12
